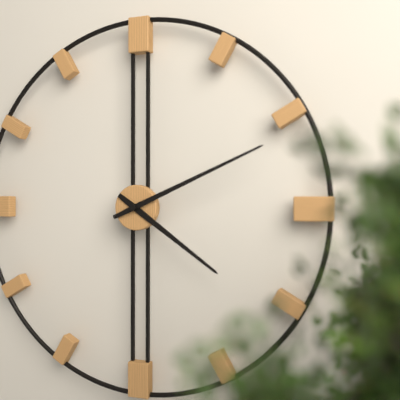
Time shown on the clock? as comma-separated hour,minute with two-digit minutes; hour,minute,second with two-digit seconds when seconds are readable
4,11
